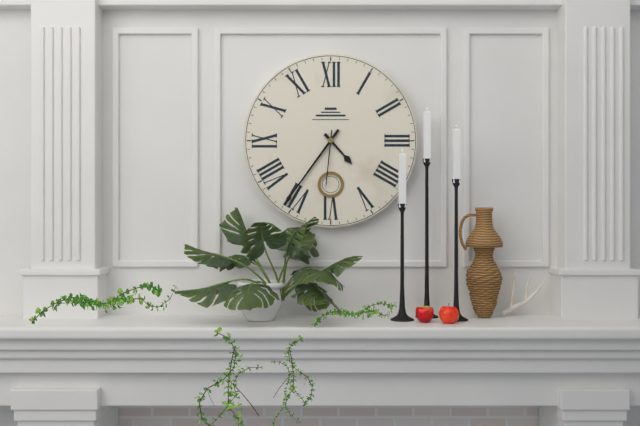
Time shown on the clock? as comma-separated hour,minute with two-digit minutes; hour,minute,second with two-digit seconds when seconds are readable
4,36,31
